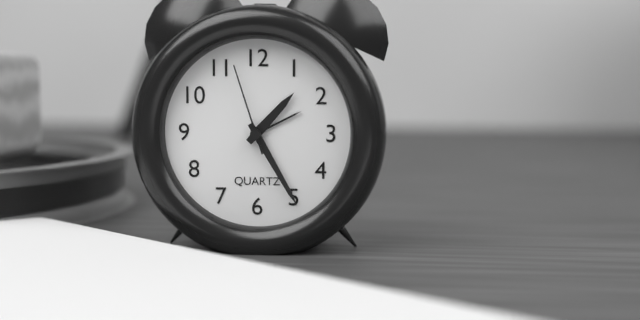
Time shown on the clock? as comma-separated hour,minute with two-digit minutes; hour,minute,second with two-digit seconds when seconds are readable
1,25,57
